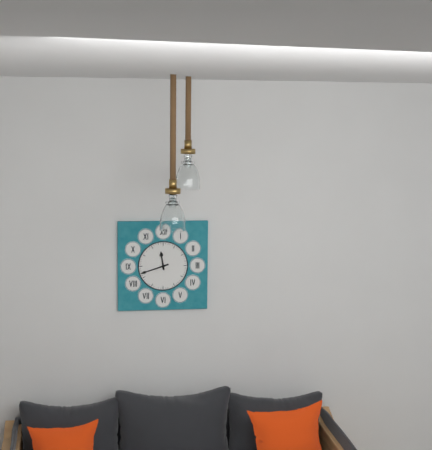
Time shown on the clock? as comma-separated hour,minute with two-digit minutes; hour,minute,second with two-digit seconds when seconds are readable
11,42
